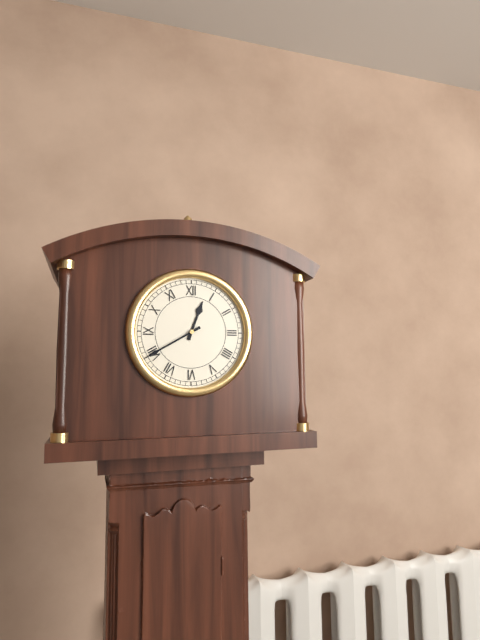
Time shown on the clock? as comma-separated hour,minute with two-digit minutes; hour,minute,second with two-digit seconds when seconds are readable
12,40
